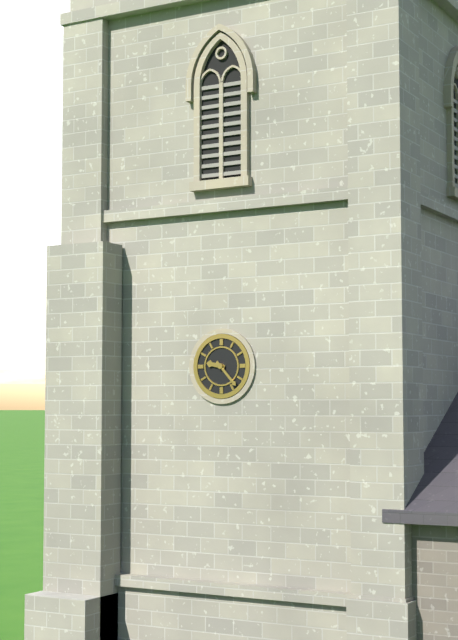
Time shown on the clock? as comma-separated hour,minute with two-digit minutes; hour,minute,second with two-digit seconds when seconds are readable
9,23
